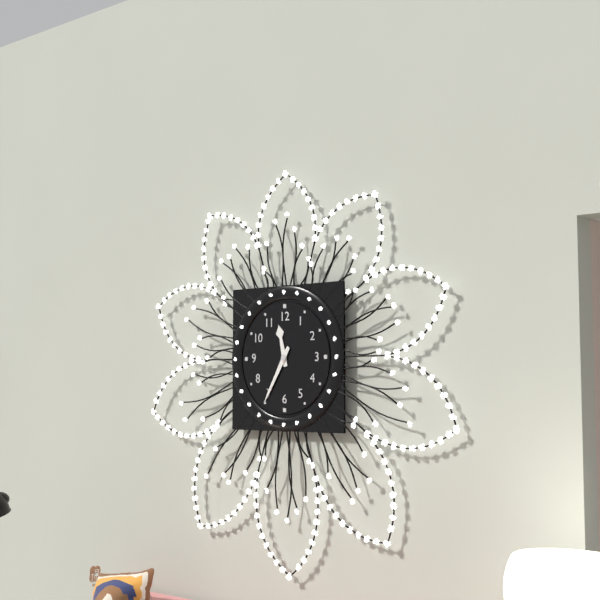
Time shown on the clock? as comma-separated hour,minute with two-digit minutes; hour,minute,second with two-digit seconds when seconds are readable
11,35
